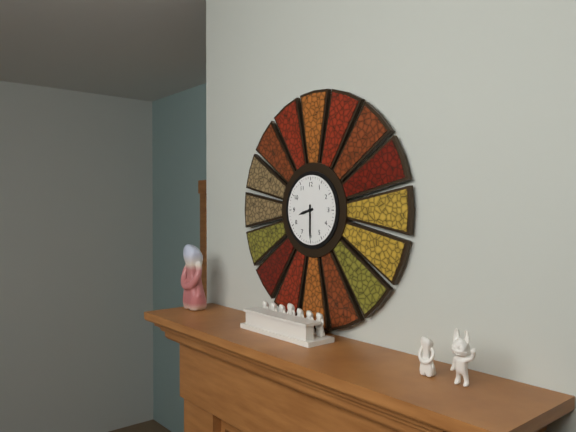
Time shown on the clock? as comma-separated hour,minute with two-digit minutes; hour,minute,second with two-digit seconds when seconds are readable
8,30
